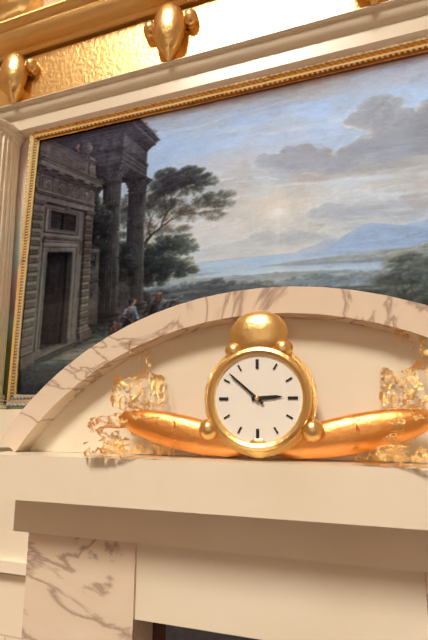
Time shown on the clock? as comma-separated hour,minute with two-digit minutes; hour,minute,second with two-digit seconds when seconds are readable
2,52
